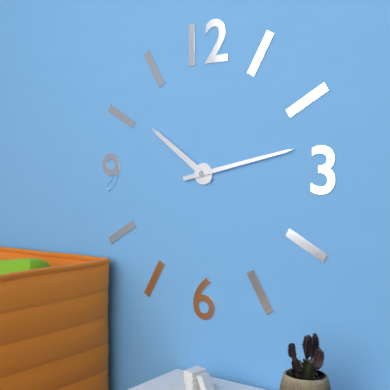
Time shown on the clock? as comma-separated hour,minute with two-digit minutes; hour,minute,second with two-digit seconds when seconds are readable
10,13
